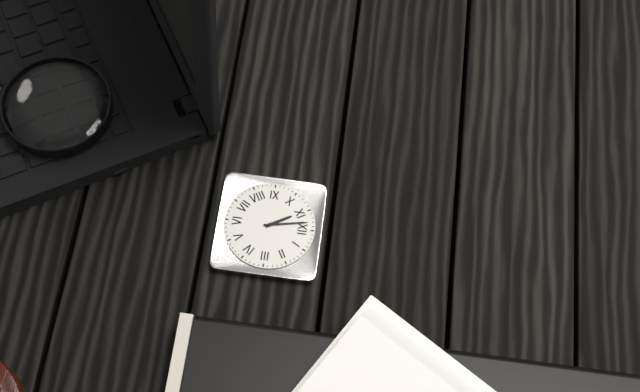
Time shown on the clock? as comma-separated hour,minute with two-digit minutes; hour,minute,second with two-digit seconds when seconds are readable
10,58
